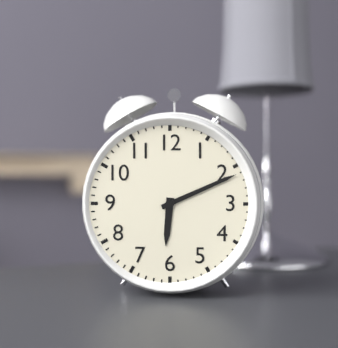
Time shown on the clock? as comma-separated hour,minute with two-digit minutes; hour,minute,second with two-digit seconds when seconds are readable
6,11
